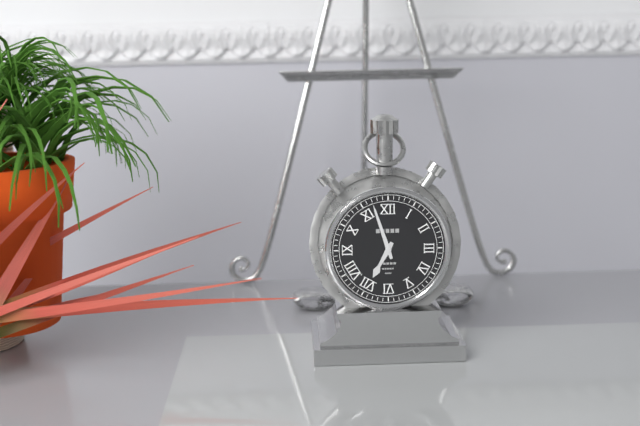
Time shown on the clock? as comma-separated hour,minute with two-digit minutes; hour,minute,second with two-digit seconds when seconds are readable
6,57
